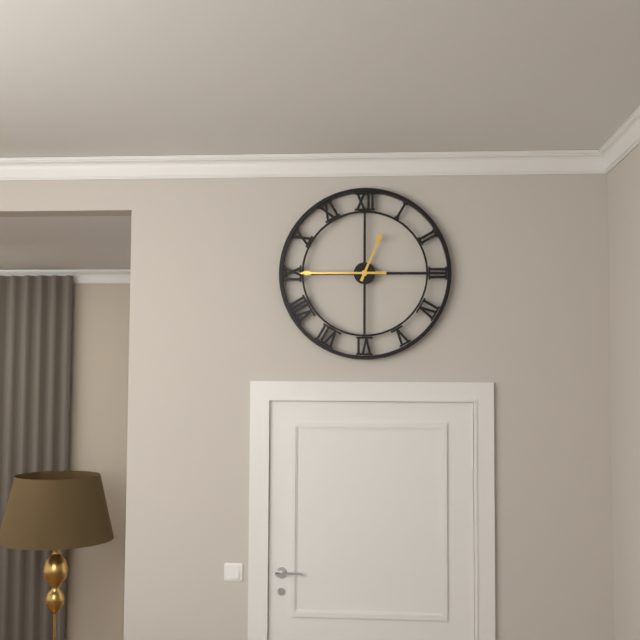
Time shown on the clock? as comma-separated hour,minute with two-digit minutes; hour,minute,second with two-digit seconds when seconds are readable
12,45
